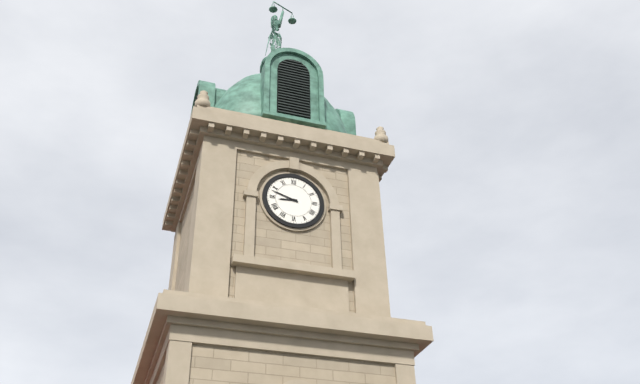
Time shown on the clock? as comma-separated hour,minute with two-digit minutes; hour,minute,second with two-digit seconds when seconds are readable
8,48
